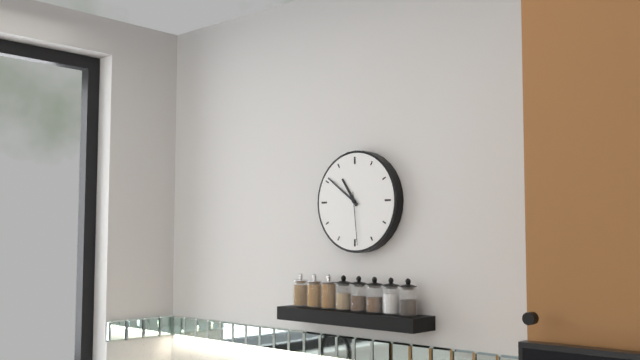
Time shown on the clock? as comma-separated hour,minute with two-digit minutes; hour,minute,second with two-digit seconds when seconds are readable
10,51,29
